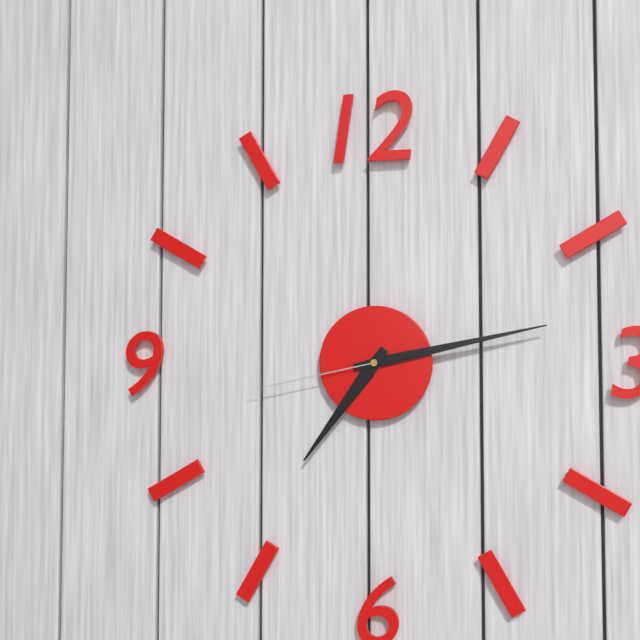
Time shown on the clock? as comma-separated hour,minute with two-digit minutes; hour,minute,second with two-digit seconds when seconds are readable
7,13,43
